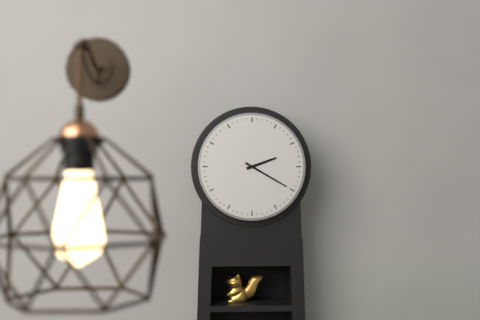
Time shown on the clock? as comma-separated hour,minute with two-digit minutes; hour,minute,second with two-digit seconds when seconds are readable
2,20
